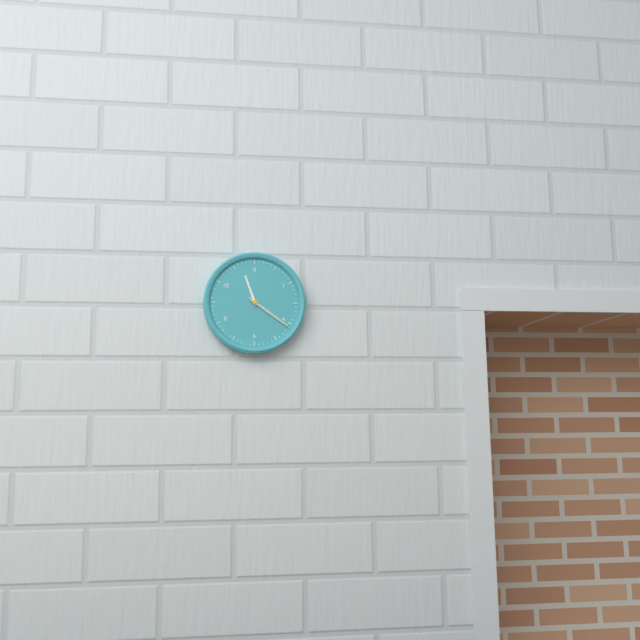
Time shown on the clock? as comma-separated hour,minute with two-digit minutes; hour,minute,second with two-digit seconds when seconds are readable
11,21
